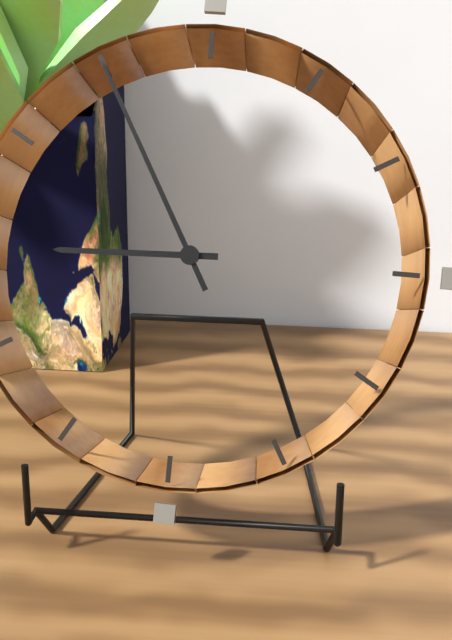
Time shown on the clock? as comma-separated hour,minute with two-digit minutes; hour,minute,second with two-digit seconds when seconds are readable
8,55
